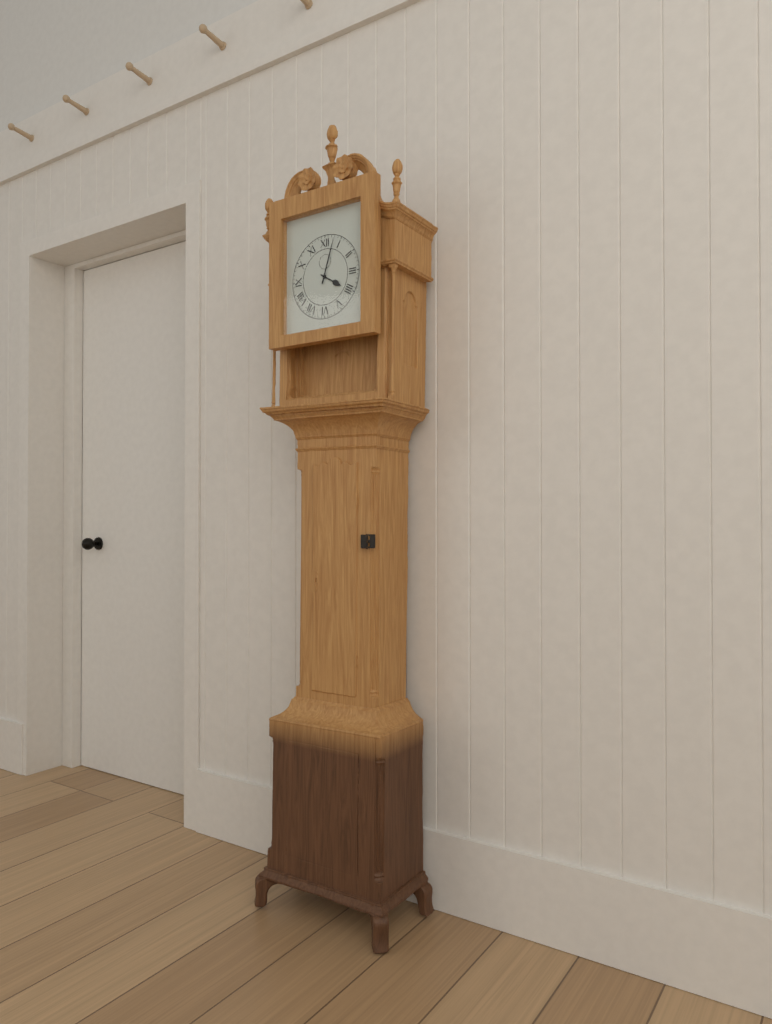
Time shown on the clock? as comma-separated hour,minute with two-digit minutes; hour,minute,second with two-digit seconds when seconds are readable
4,03
